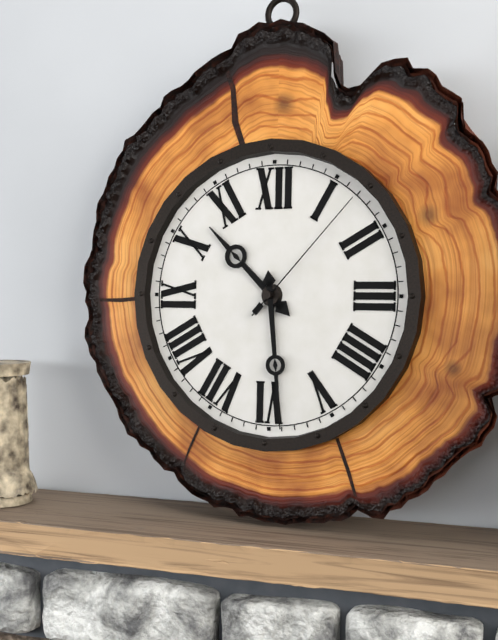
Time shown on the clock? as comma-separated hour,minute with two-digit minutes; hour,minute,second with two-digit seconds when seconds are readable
10,29,07
